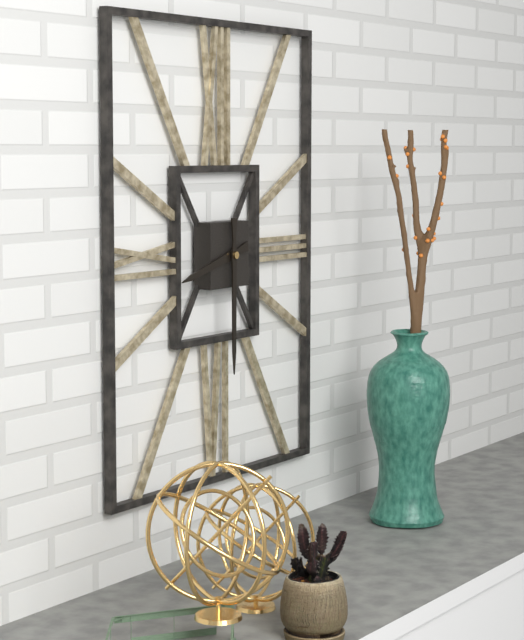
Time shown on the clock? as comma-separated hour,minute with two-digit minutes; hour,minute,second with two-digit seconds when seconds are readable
8,30
